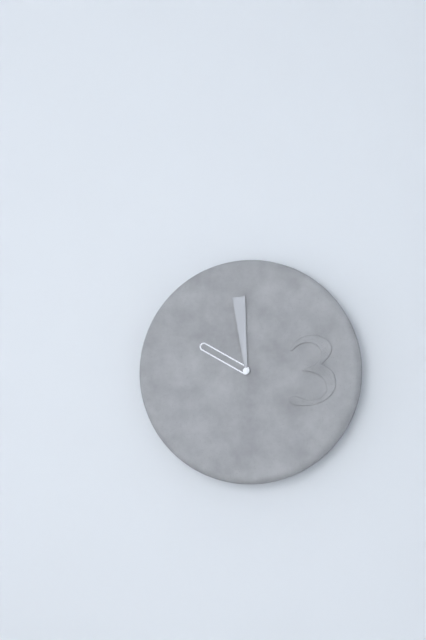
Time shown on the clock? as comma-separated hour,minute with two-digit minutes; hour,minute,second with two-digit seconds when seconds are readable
9,59
